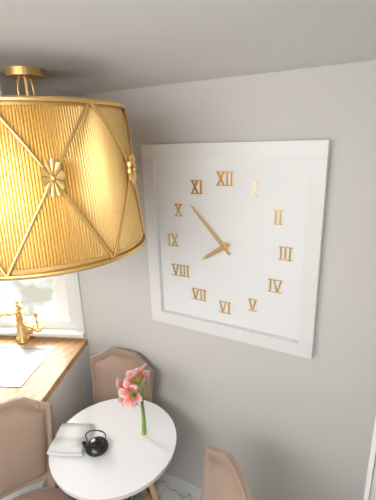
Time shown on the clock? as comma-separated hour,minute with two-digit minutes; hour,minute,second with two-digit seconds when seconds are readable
7,53
